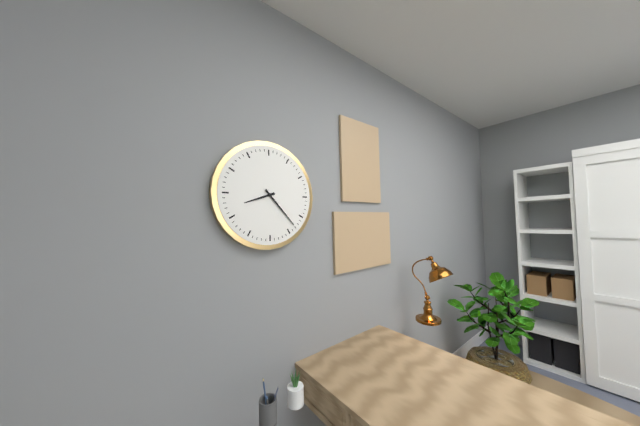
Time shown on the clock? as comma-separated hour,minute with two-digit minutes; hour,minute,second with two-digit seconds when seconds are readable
8,23
